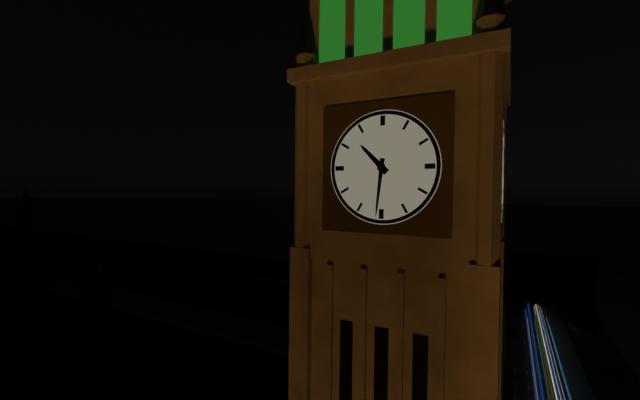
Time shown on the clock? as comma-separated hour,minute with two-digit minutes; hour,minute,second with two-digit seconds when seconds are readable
10,31
